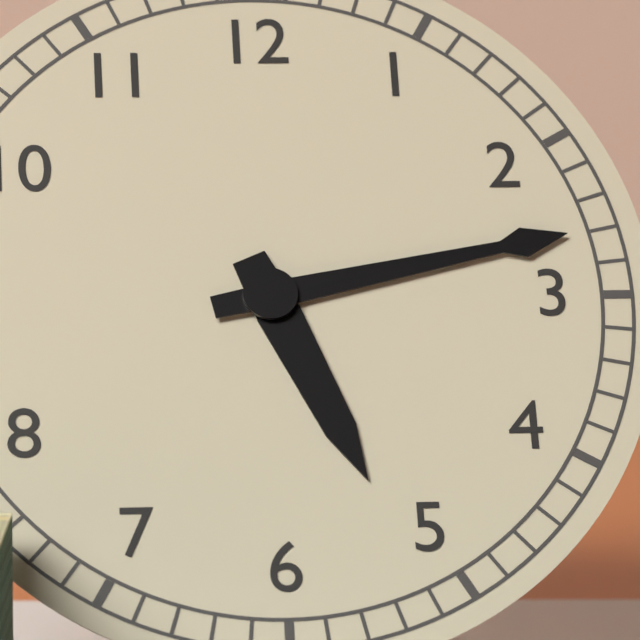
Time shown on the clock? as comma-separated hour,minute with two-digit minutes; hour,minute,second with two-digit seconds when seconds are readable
5,13
